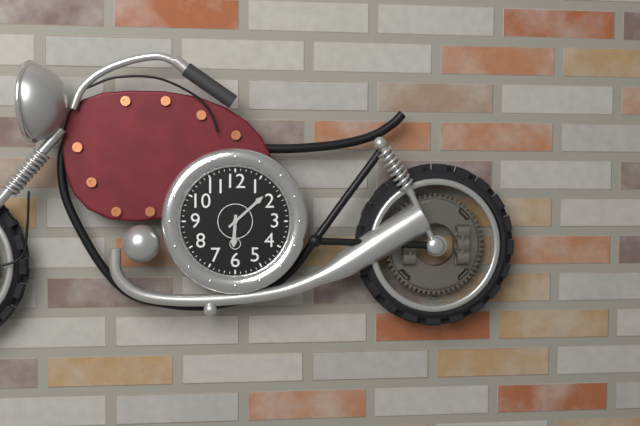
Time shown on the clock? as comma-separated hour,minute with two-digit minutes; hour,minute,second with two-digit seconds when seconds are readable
6,08
